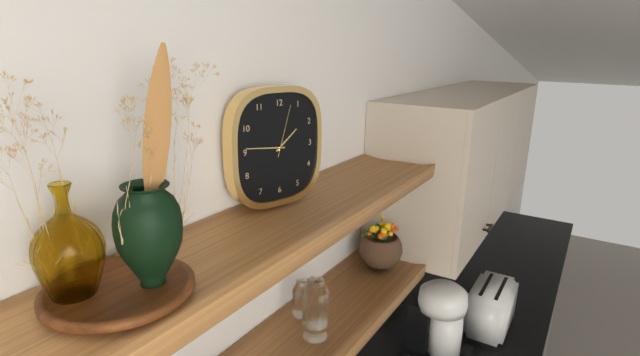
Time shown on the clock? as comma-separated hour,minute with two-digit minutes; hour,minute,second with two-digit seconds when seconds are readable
1,46,03
